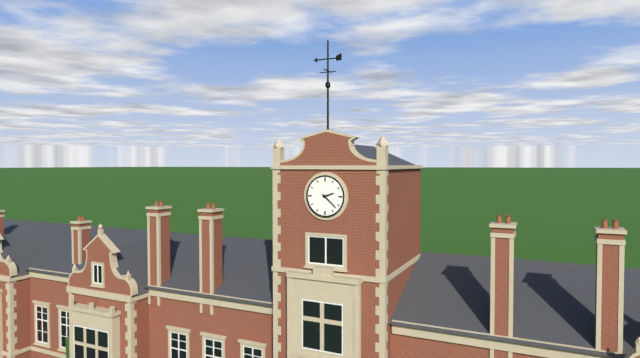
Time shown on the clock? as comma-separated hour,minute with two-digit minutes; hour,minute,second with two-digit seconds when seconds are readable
2,22
